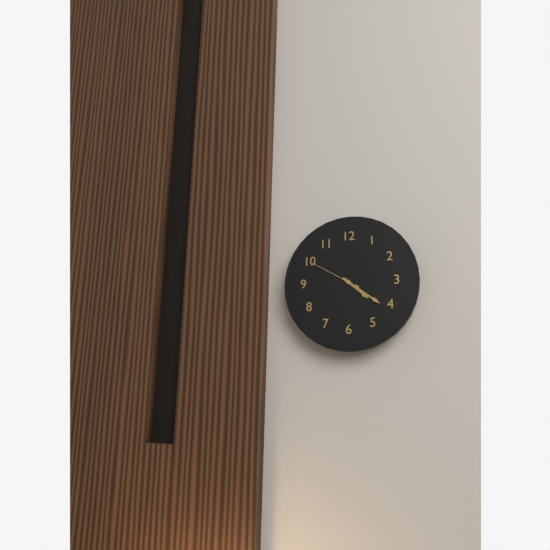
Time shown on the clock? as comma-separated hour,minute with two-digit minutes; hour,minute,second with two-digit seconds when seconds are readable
4,21,50
